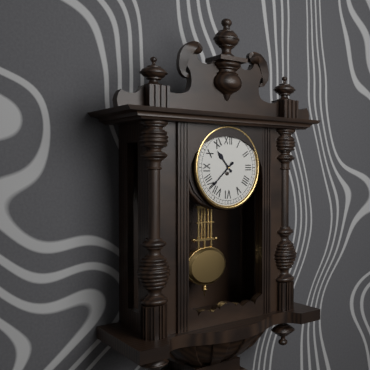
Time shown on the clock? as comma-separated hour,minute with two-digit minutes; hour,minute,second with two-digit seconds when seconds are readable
10,38
